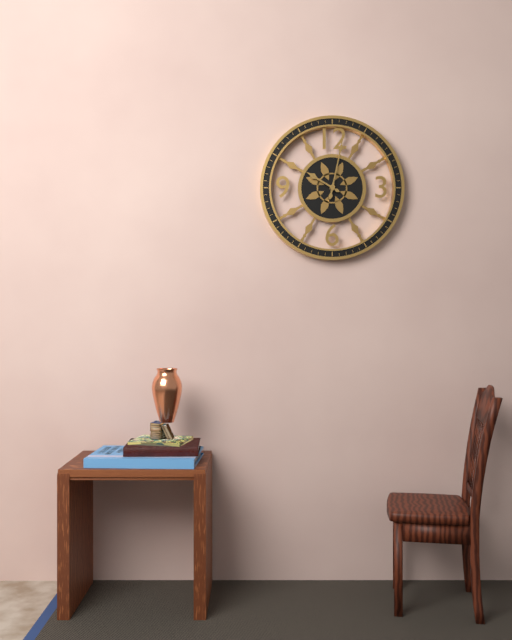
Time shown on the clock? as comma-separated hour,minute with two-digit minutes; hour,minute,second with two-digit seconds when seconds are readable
10,02
